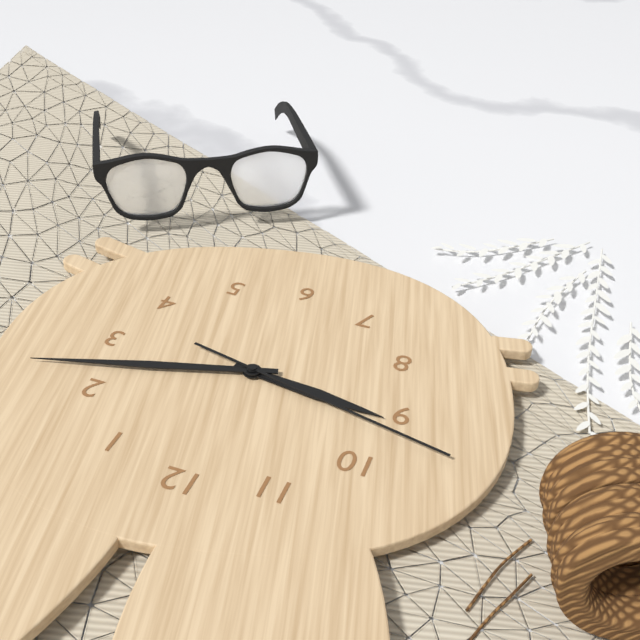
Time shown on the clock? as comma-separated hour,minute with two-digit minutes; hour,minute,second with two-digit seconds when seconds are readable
9,12,47
